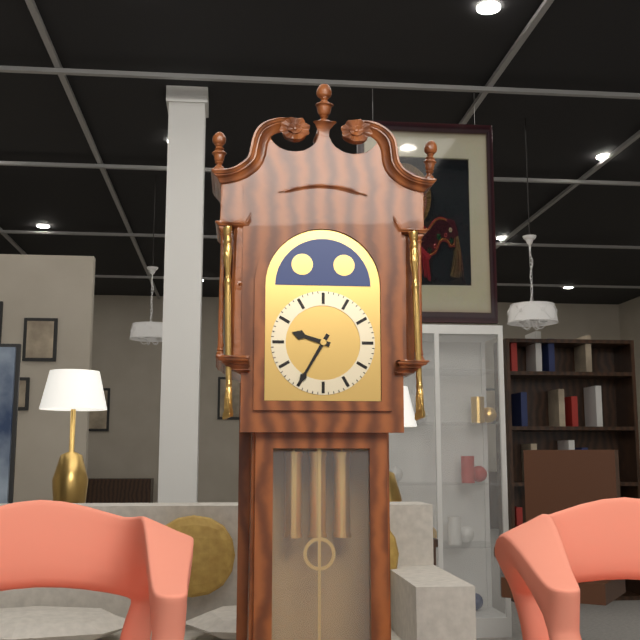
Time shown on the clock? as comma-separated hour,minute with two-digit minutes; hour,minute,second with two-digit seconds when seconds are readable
9,35
